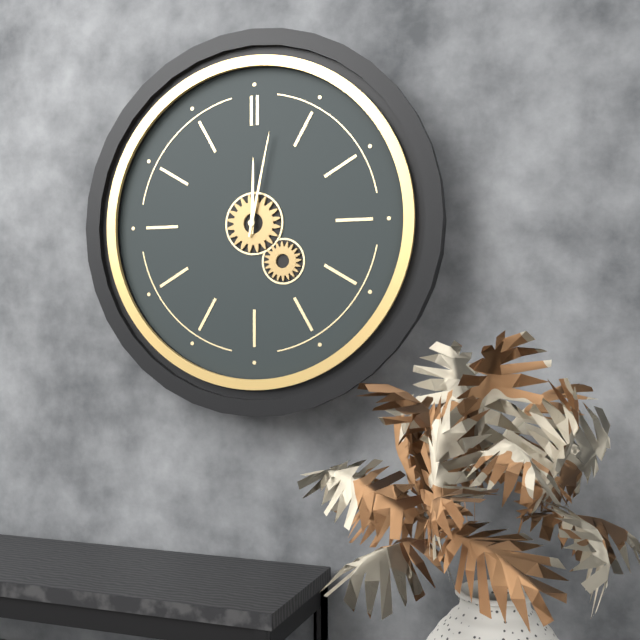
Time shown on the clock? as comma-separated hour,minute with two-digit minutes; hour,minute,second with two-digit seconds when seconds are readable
12,02
